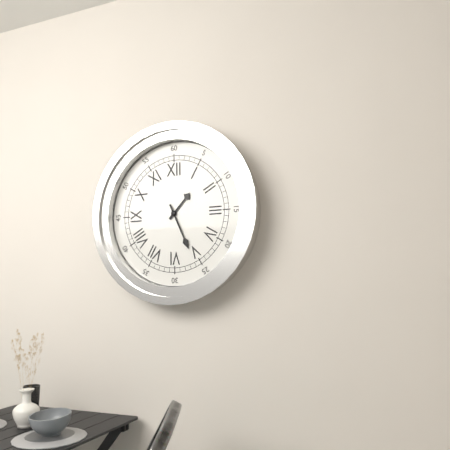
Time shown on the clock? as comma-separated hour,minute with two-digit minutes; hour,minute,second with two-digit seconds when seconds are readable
1,26
